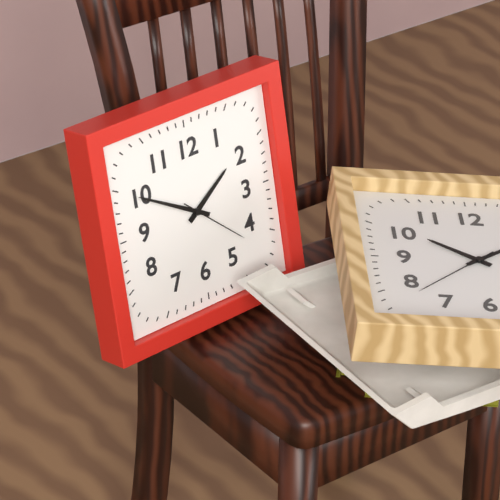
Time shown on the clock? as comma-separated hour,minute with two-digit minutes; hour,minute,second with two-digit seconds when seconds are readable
1,50,22
